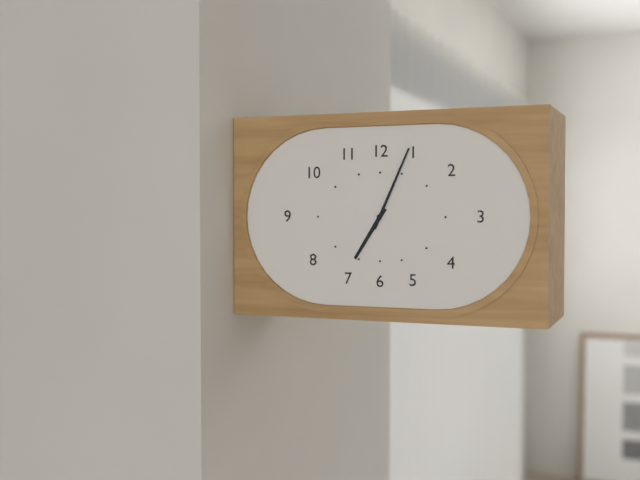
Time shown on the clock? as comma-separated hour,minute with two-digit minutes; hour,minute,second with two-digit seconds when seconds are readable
7,04
